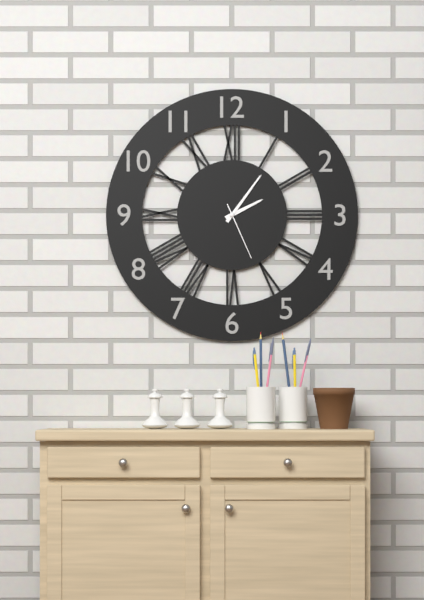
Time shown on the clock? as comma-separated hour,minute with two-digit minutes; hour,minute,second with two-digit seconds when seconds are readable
2,06,26
